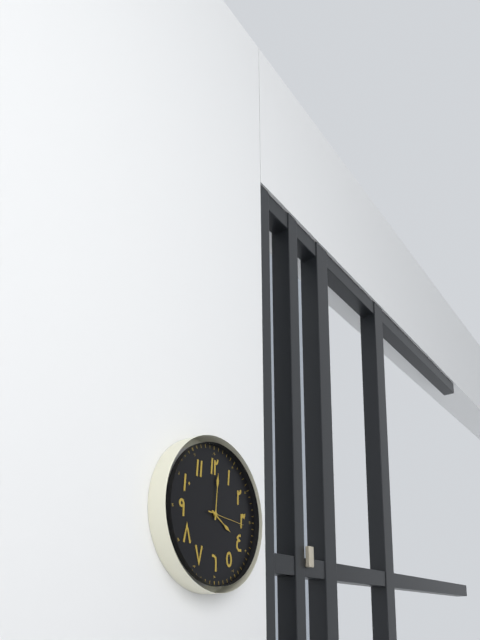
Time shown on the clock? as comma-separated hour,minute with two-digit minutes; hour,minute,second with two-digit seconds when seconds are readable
4,01
